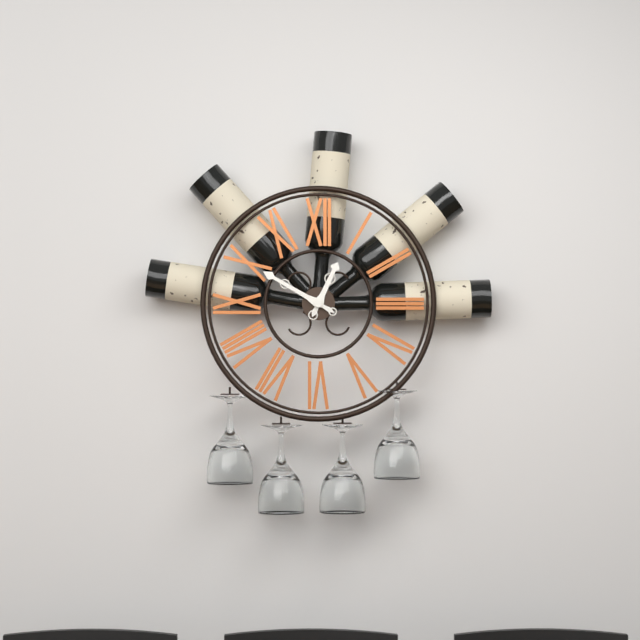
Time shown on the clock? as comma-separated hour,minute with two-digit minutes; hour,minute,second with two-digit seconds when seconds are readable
12,50
